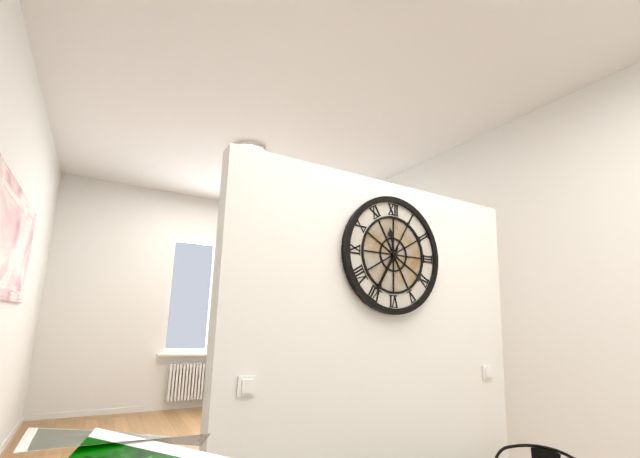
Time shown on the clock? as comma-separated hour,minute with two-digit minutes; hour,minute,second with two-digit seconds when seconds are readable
11,35
